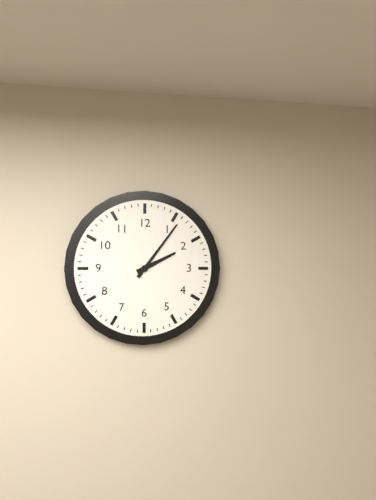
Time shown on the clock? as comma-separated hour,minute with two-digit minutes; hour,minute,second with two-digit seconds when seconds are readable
2,06
